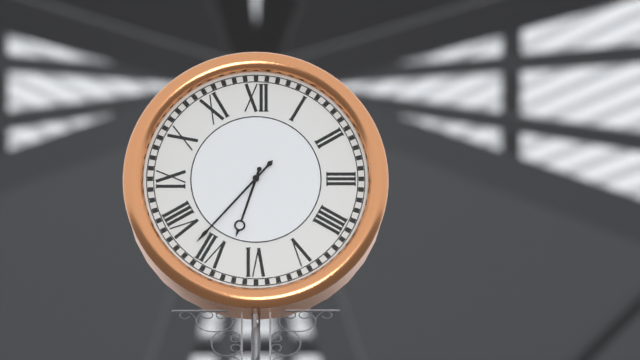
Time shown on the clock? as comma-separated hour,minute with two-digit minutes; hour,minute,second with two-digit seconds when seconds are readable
6,37
